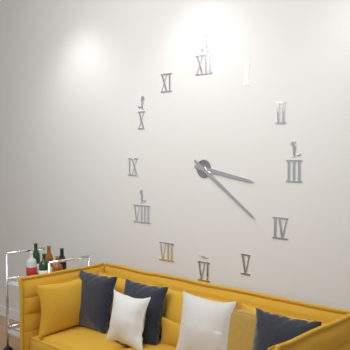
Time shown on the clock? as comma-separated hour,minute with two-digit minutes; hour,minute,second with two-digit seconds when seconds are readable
3,21
